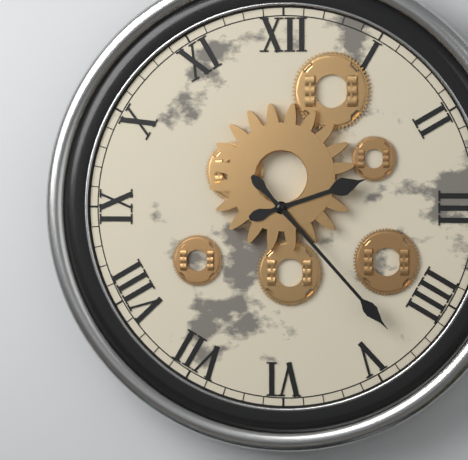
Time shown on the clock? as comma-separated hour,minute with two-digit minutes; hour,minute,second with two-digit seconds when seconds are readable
2,23
